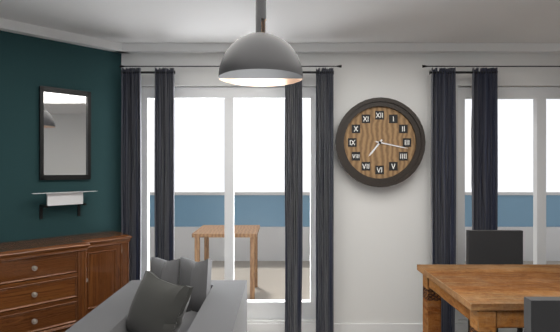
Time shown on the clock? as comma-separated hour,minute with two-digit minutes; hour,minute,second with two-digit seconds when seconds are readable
7,17
